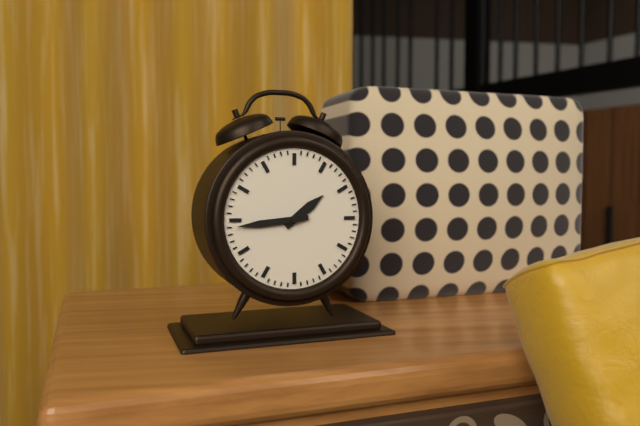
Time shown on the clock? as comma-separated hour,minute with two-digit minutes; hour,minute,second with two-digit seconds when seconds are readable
1,44
